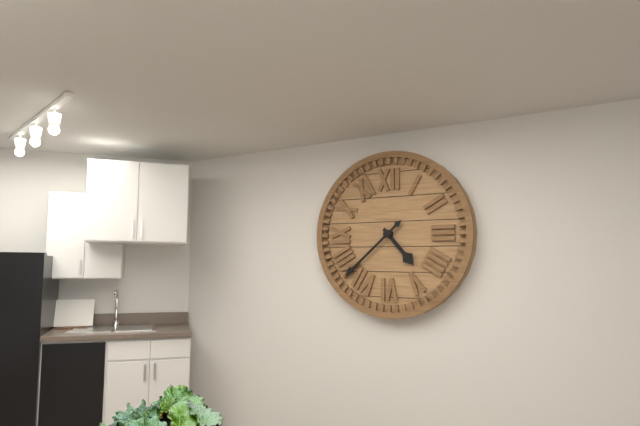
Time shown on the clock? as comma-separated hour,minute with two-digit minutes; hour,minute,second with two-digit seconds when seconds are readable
4,38
